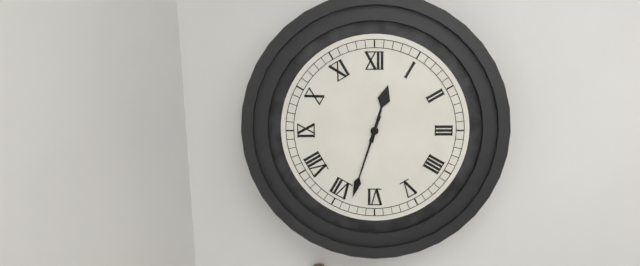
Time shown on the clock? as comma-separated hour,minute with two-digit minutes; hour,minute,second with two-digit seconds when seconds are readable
12,33
